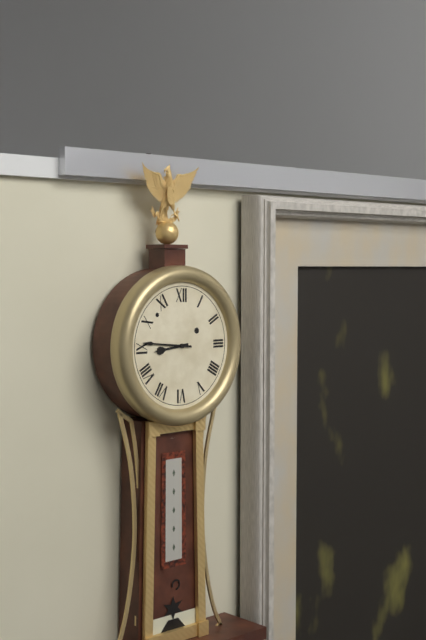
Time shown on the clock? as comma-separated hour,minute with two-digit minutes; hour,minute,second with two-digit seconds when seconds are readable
8,46
